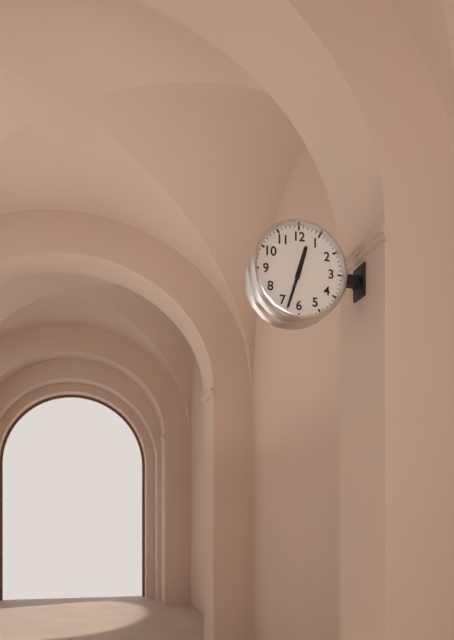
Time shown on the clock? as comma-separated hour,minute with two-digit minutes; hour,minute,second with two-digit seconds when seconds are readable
12,33
